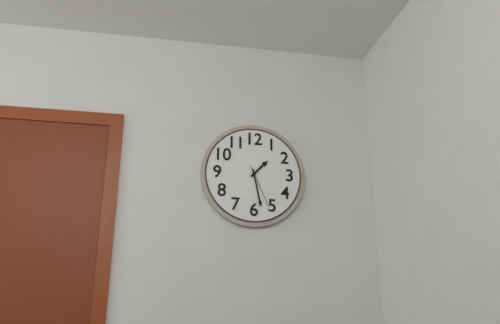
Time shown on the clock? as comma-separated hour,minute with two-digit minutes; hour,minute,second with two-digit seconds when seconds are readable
1,28
